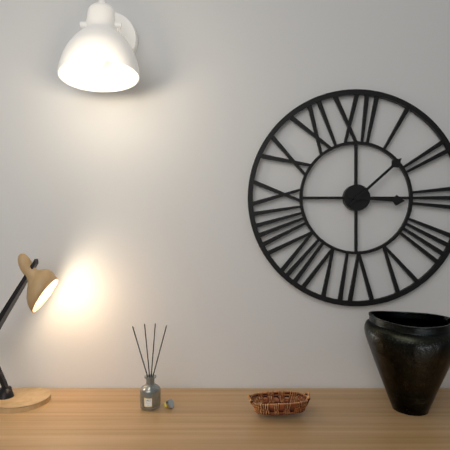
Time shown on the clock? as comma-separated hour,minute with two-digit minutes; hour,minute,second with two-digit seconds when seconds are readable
3,08
